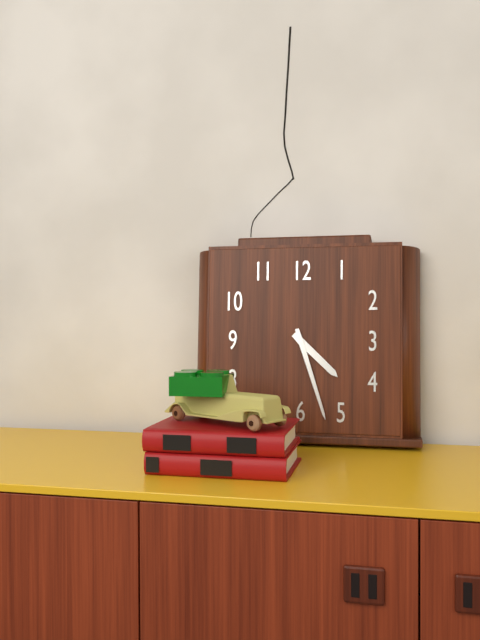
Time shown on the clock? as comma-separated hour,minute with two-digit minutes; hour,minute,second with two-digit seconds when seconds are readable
4,27
